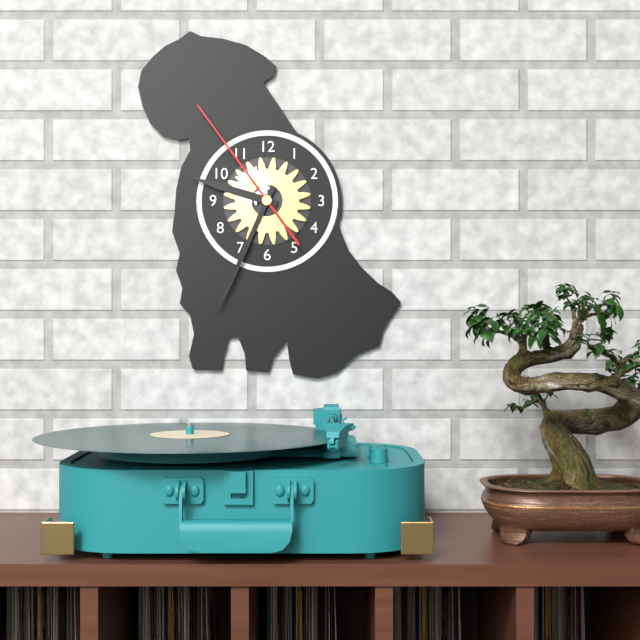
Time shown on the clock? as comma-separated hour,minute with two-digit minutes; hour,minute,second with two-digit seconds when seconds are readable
9,34,54
